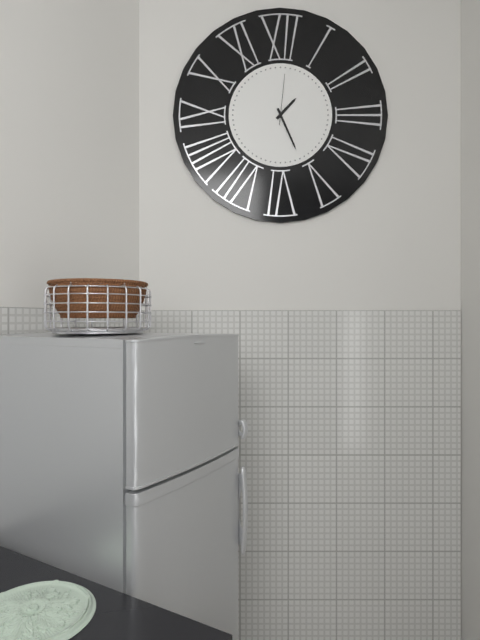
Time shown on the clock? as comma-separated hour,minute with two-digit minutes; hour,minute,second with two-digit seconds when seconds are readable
1,26,01
